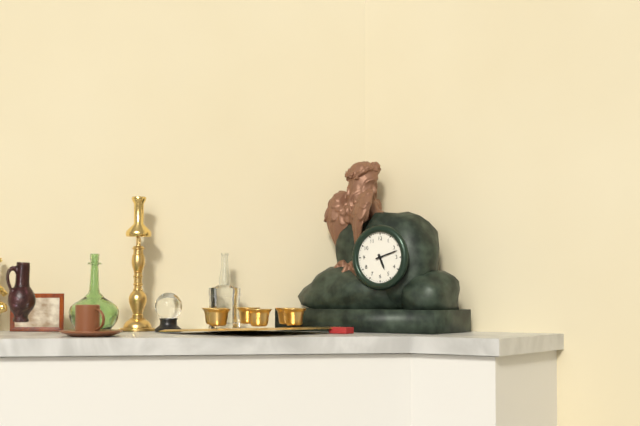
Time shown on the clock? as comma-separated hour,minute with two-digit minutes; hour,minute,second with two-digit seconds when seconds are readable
5,12
